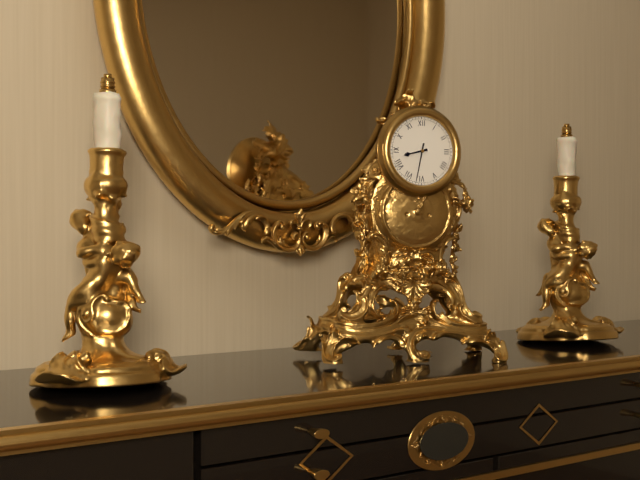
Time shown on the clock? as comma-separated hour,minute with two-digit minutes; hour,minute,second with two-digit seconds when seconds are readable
8,32
